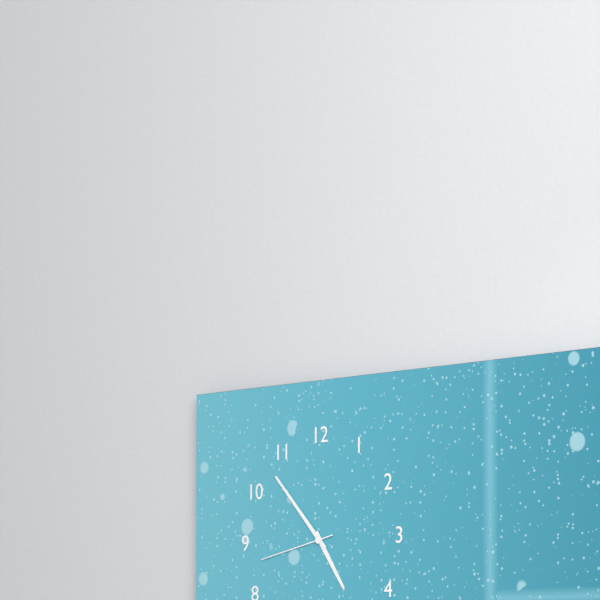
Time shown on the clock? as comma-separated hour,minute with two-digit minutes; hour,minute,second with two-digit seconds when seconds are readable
4,53,43
